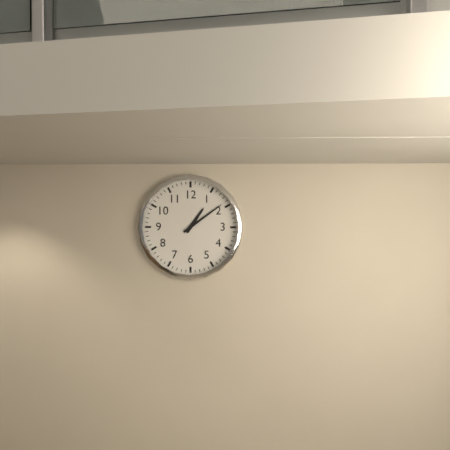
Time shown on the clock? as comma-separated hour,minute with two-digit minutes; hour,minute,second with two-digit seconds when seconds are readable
1,09
